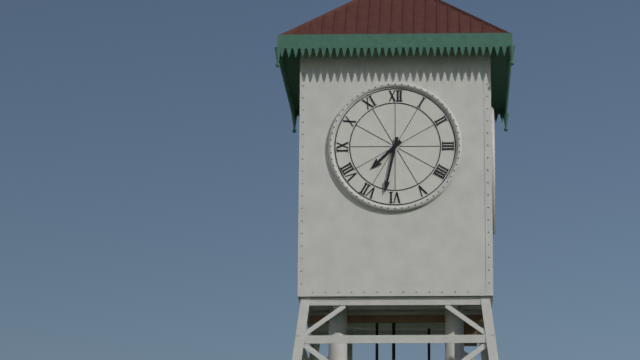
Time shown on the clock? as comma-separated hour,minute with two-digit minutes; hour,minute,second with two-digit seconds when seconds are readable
7,32
